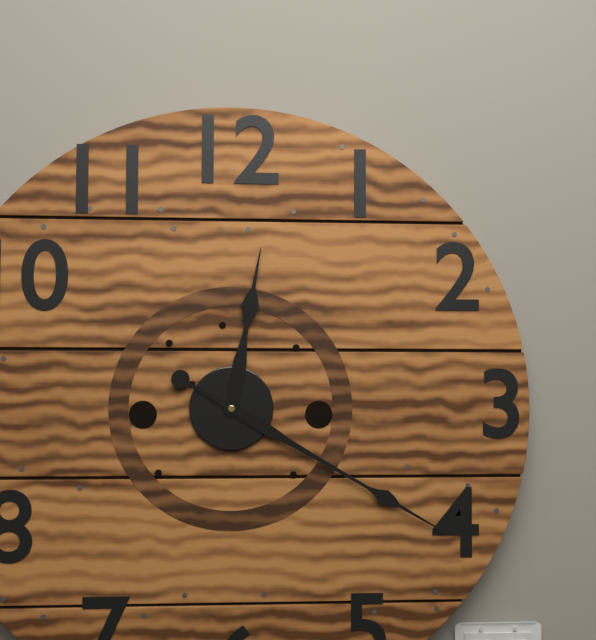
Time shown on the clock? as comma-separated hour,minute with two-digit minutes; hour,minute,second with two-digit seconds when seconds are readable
12,20
